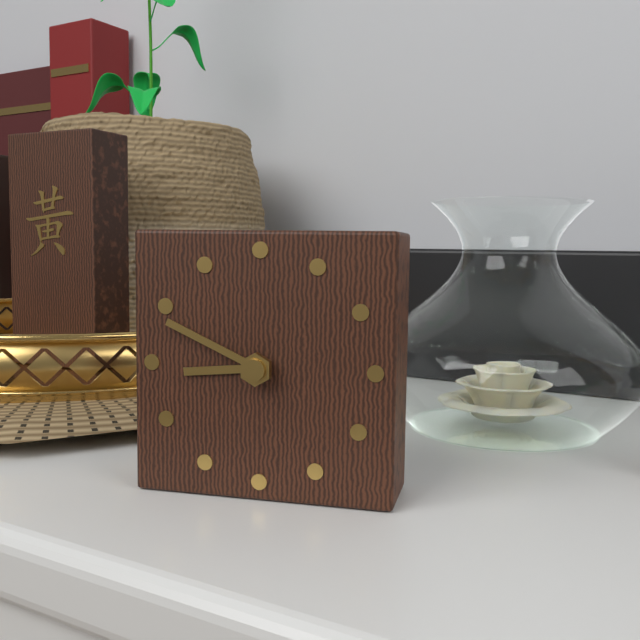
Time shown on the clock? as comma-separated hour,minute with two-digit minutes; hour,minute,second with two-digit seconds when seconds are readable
8,49
